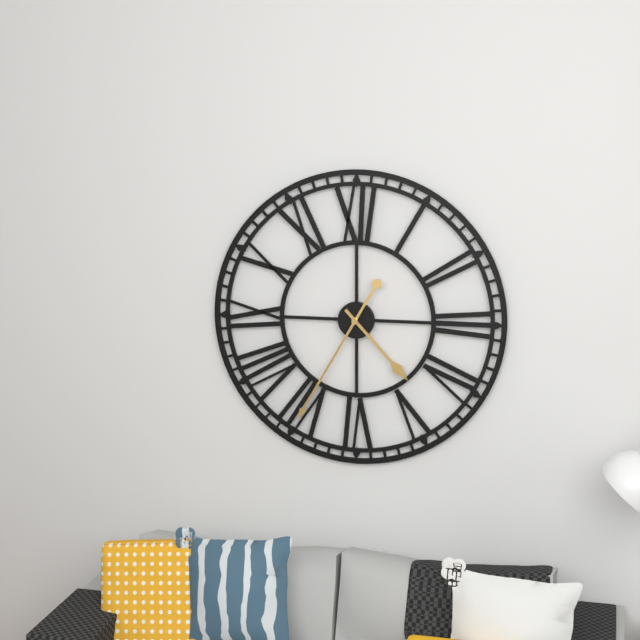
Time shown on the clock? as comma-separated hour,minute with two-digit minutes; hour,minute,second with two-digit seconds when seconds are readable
4,35
